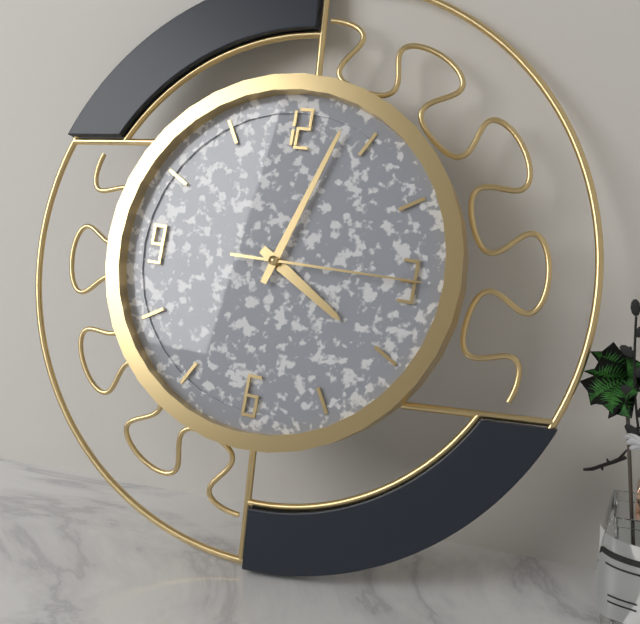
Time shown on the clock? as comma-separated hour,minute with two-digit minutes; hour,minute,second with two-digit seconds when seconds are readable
4,03,15
